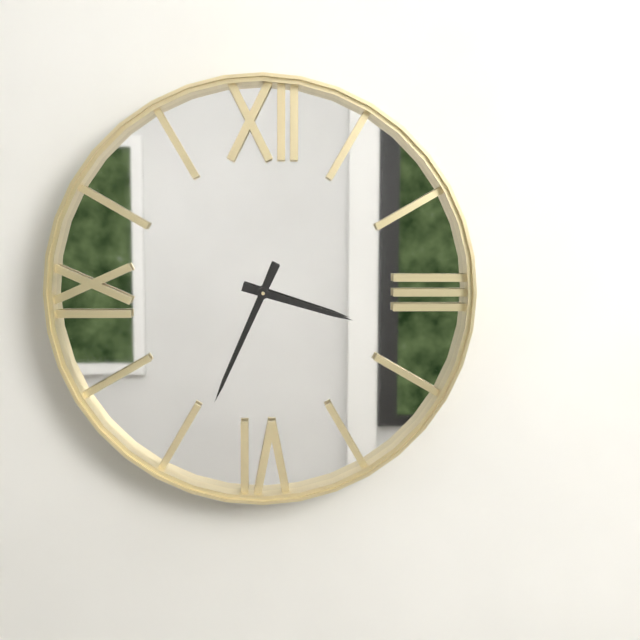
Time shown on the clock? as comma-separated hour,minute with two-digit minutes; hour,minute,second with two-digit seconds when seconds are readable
3,34
